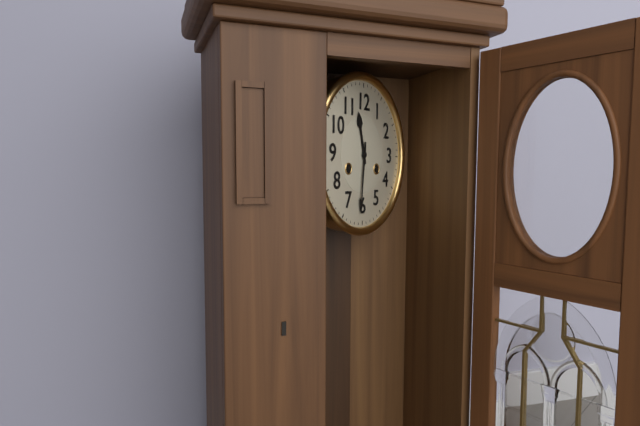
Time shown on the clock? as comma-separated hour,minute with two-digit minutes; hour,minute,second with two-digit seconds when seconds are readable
11,31
